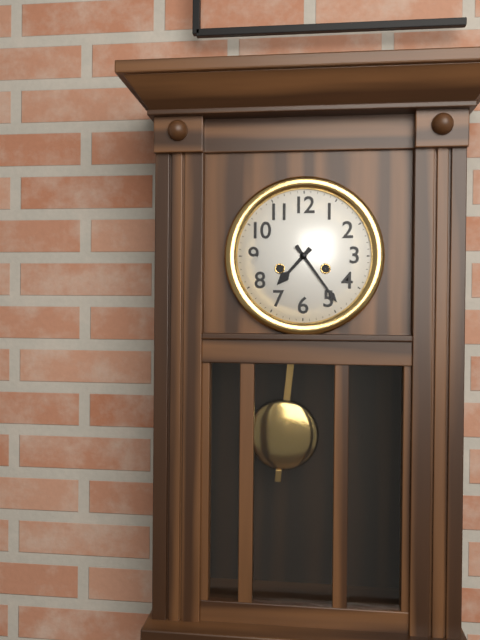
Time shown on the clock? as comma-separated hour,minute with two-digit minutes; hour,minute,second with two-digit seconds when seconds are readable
7,24
